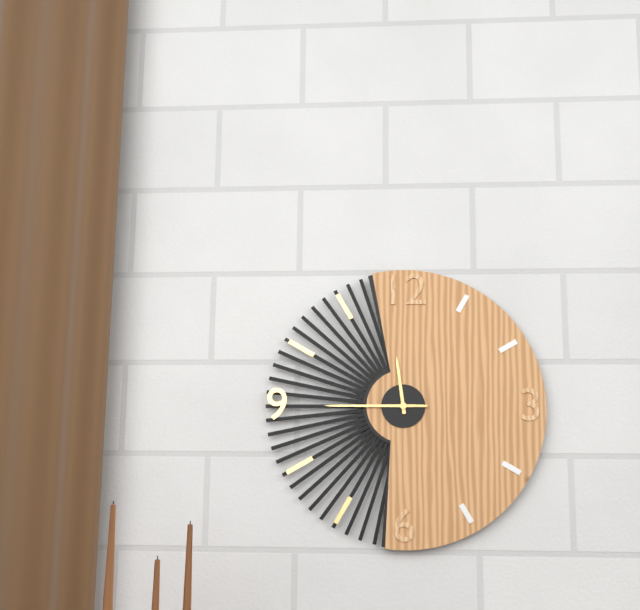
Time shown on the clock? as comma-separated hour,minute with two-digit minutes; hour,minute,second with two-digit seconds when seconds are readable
11,45
